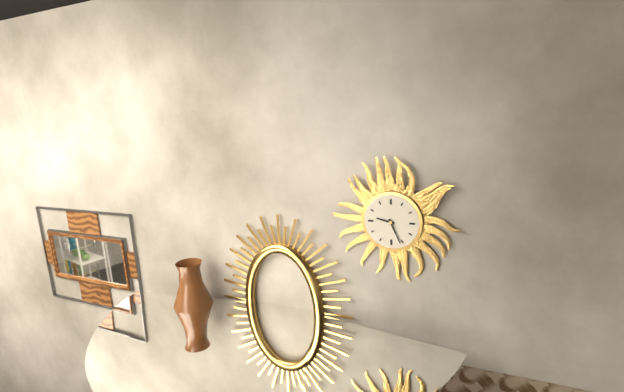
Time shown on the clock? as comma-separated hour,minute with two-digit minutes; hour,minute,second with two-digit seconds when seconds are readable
9,26
